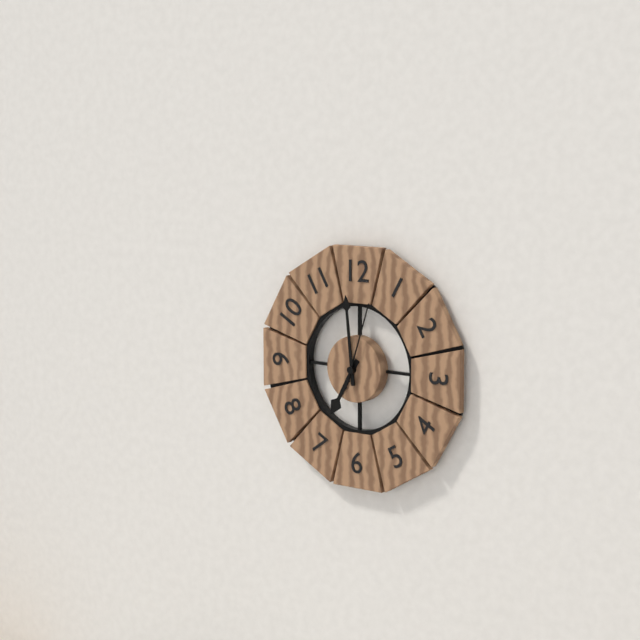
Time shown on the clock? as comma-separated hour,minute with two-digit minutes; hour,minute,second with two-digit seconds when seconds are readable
6,59,03
